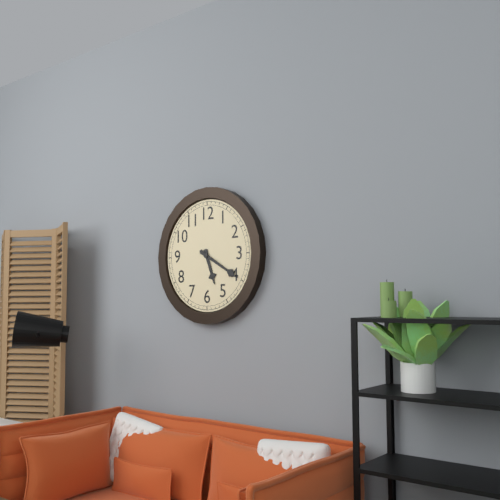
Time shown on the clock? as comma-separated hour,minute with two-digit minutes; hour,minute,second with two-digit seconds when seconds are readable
5,20
